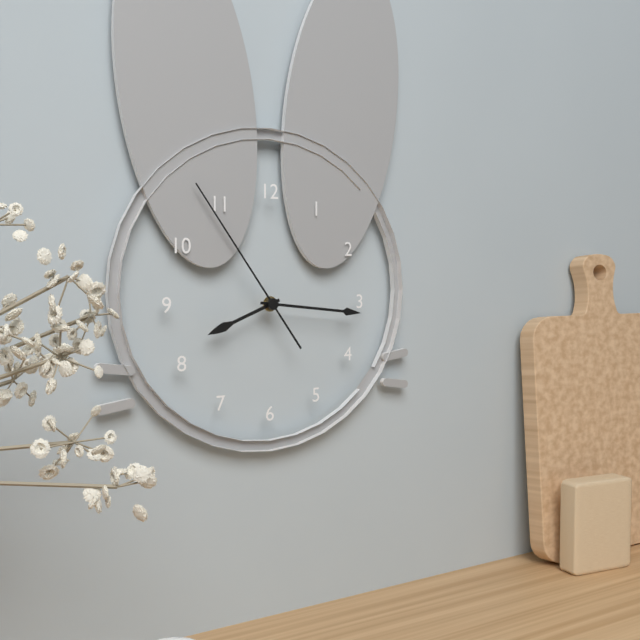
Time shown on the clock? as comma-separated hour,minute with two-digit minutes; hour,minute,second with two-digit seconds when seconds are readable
8,16,54
